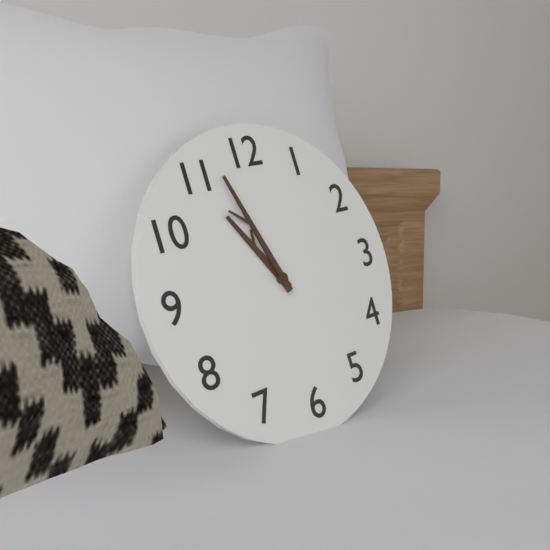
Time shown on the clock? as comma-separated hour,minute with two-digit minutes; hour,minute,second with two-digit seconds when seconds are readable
10,57
